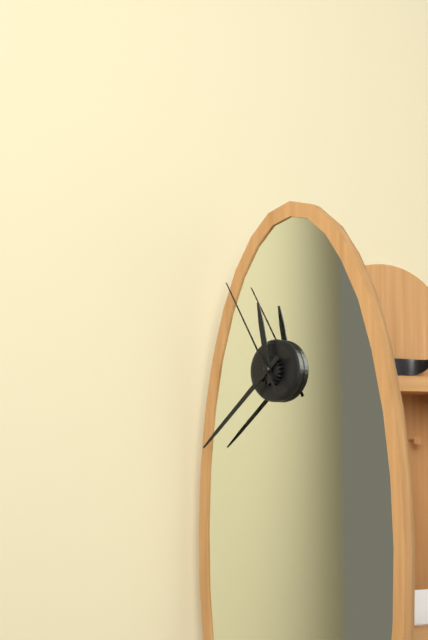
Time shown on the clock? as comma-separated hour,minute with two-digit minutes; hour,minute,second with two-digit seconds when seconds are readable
11,38,55
